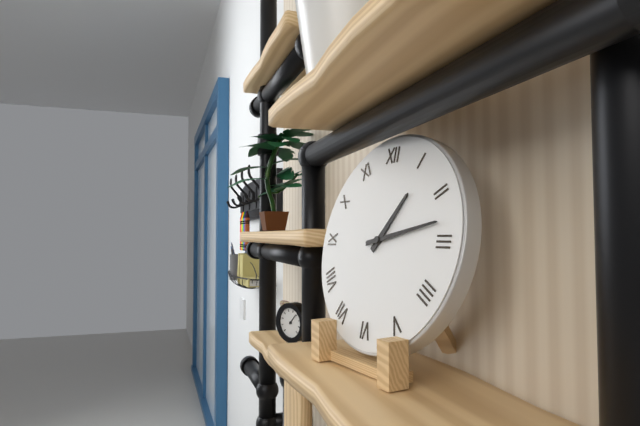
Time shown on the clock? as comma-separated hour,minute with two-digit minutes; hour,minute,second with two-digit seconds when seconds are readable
1,13
